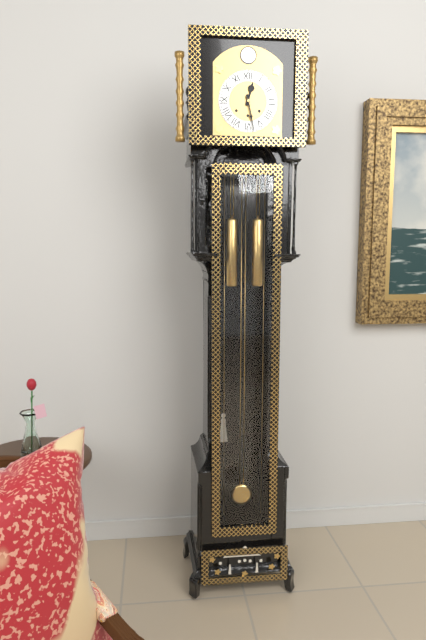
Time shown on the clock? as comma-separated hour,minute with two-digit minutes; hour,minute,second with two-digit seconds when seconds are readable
12,28
